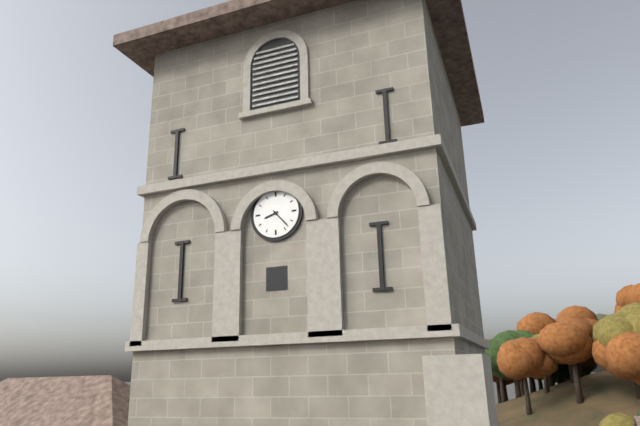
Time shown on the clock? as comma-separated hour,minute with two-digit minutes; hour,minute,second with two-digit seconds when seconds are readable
8,23
